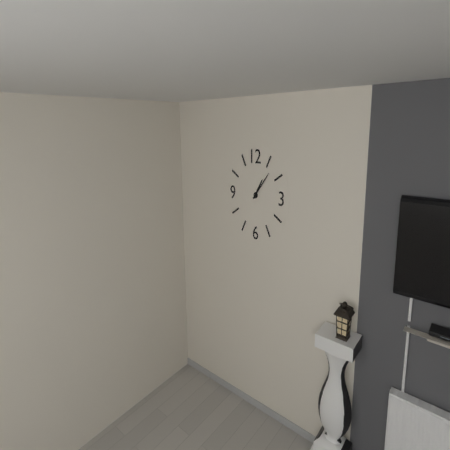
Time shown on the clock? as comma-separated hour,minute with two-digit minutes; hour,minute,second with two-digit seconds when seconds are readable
1,07
